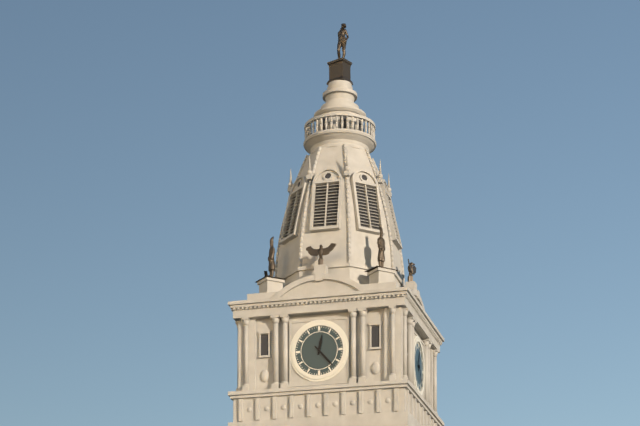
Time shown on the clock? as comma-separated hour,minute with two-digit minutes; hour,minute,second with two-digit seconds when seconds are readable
12,23
